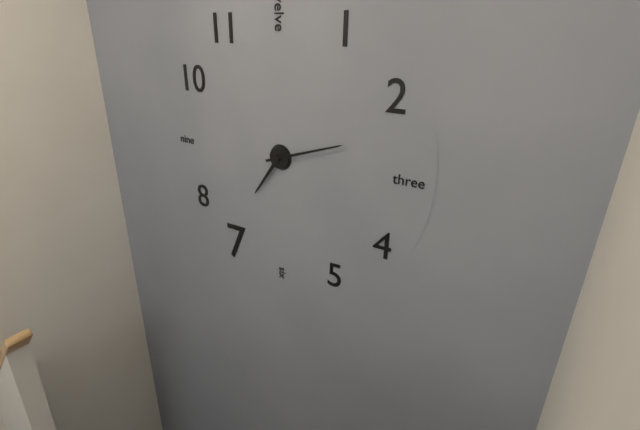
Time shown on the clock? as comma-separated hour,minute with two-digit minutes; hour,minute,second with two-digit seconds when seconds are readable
7,12
